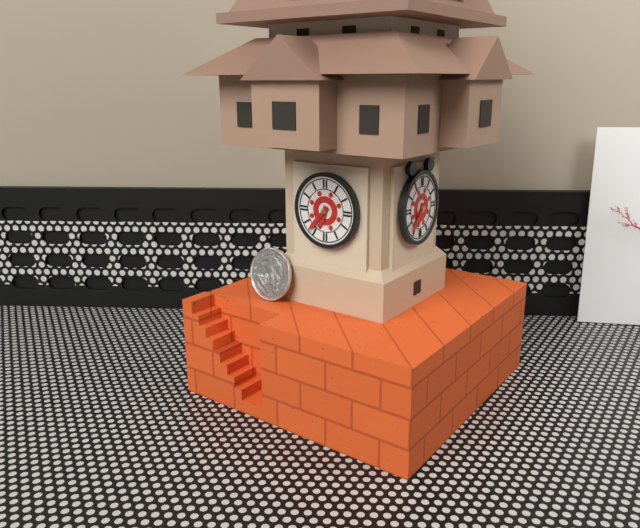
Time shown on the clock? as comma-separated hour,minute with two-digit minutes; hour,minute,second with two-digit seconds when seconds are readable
6,37
